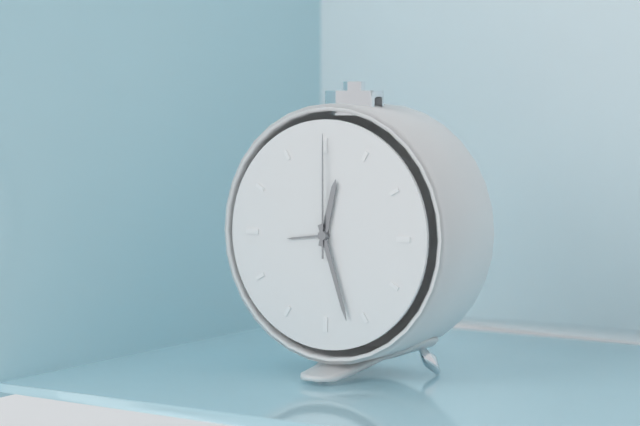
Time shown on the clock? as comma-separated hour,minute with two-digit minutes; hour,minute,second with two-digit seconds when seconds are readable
12,27,00
